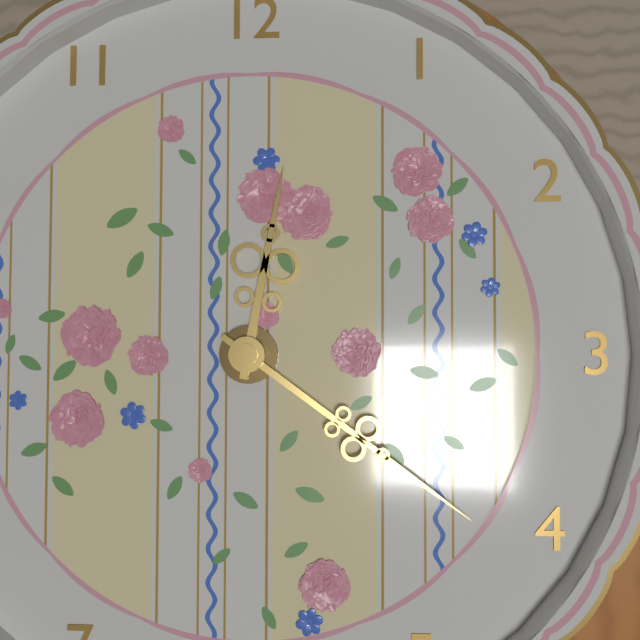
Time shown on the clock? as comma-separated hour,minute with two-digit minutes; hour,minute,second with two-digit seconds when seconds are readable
12,21
